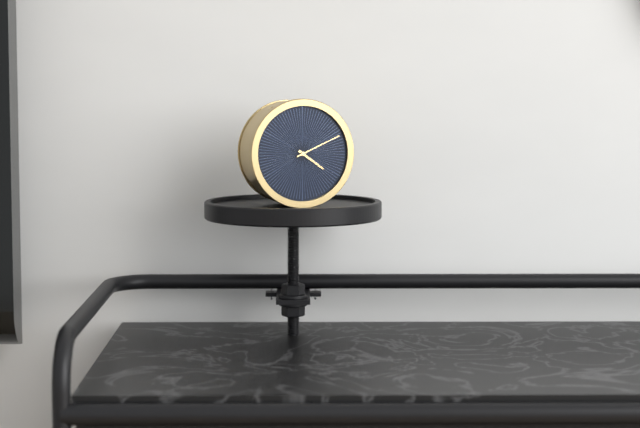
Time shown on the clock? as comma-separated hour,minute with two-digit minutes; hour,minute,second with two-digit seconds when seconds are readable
4,11
